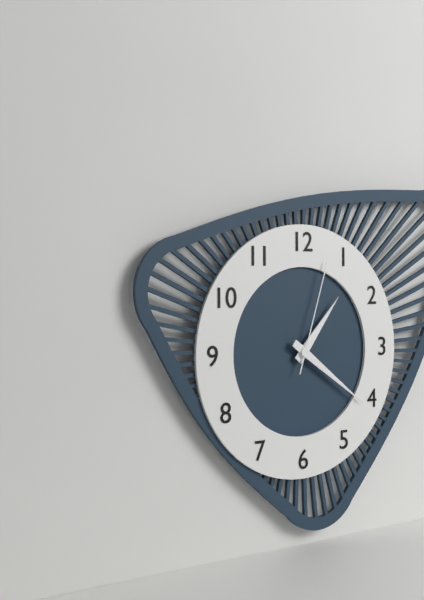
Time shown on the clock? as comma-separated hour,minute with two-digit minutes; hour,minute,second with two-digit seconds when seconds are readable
1,21,03
